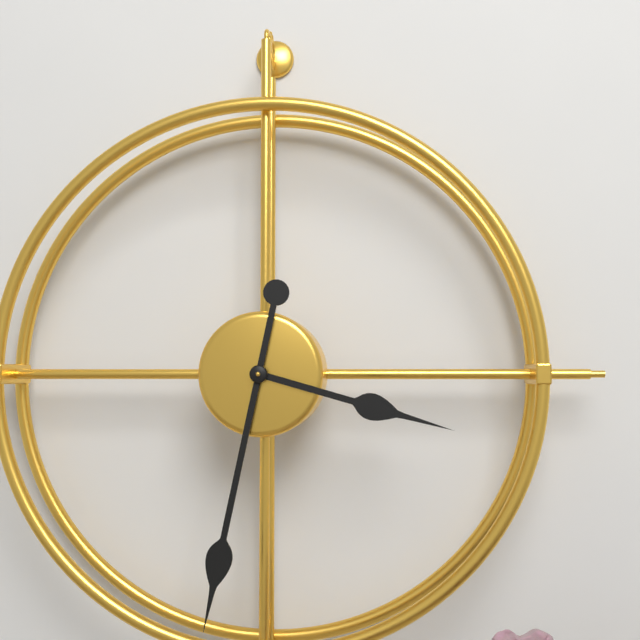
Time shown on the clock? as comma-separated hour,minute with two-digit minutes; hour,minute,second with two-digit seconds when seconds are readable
3,32
